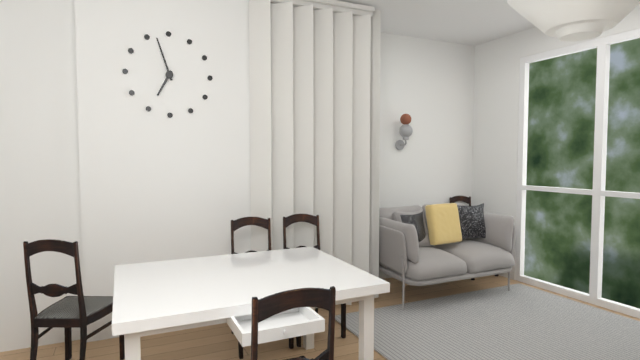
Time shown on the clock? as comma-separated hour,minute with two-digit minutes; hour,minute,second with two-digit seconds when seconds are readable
6,57
